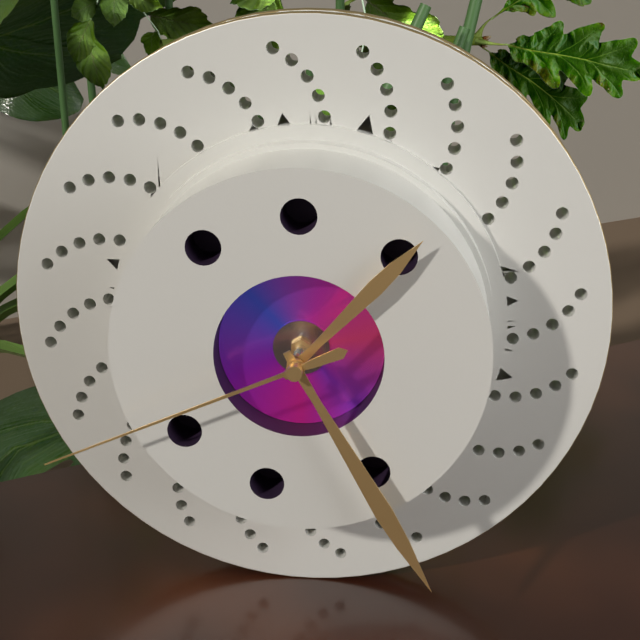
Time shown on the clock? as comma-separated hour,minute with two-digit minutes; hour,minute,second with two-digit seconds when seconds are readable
1,25,41
